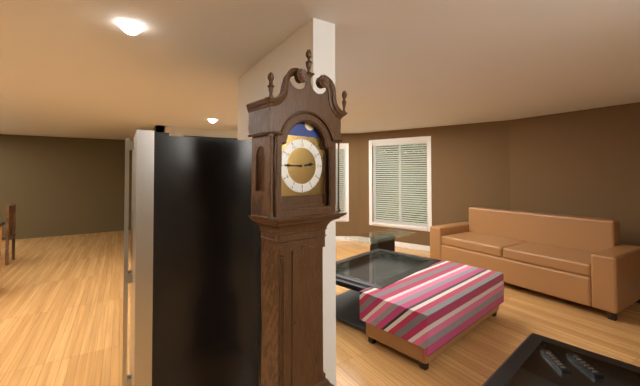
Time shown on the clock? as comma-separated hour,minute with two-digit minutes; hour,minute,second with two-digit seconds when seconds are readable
2,45
